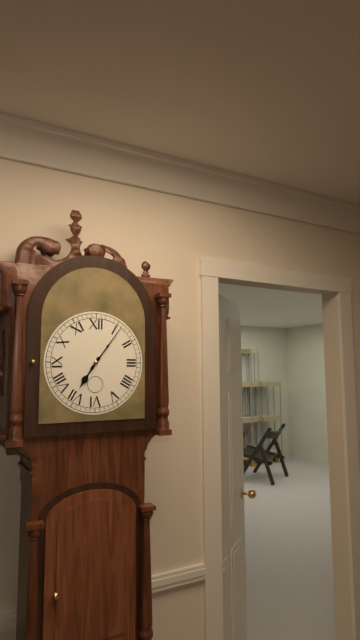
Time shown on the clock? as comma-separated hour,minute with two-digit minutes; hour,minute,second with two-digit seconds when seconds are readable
7,06
